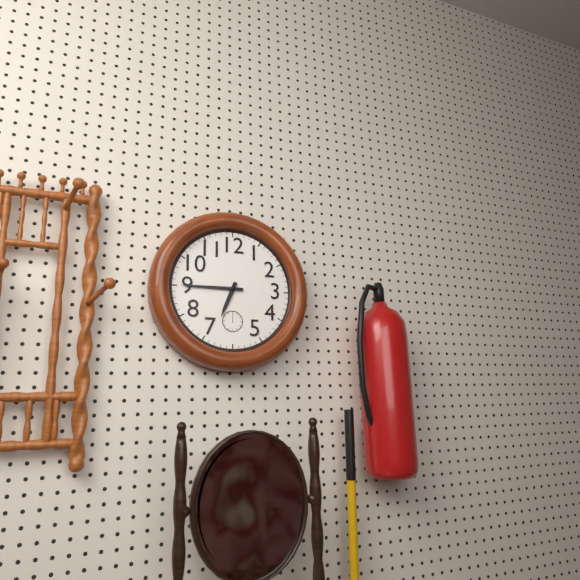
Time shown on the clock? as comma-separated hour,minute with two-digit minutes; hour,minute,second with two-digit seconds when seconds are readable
6,45
